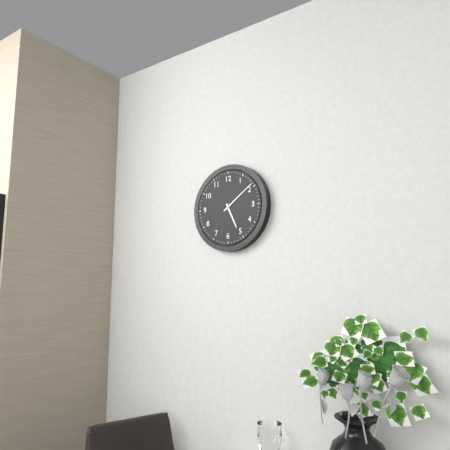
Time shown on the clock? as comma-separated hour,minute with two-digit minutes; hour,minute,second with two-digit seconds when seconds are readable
5,09
